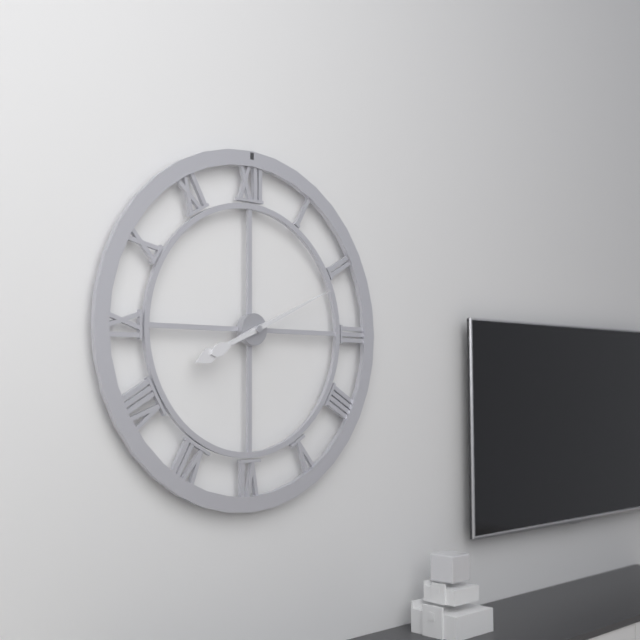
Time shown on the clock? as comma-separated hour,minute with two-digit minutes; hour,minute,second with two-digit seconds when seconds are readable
8,11
